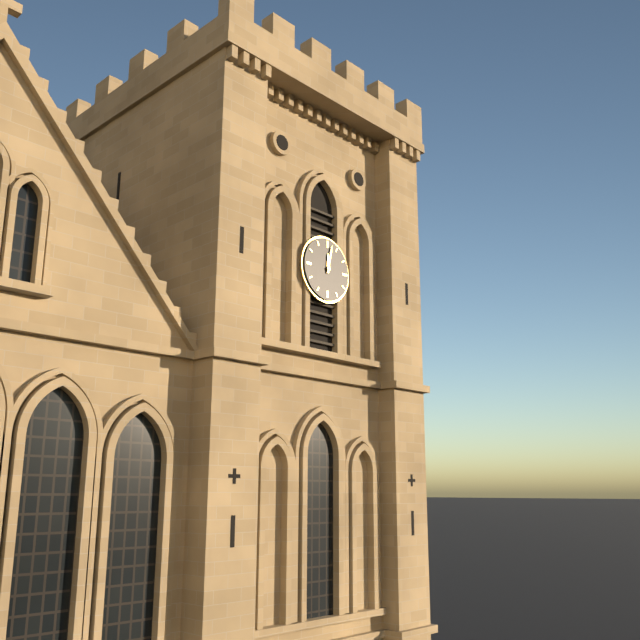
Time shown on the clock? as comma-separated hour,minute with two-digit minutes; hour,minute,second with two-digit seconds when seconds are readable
12,02
